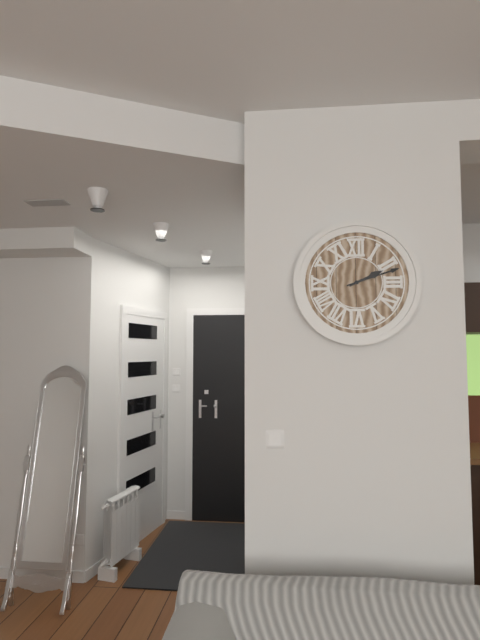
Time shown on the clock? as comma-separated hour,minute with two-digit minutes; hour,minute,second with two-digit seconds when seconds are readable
2,12
